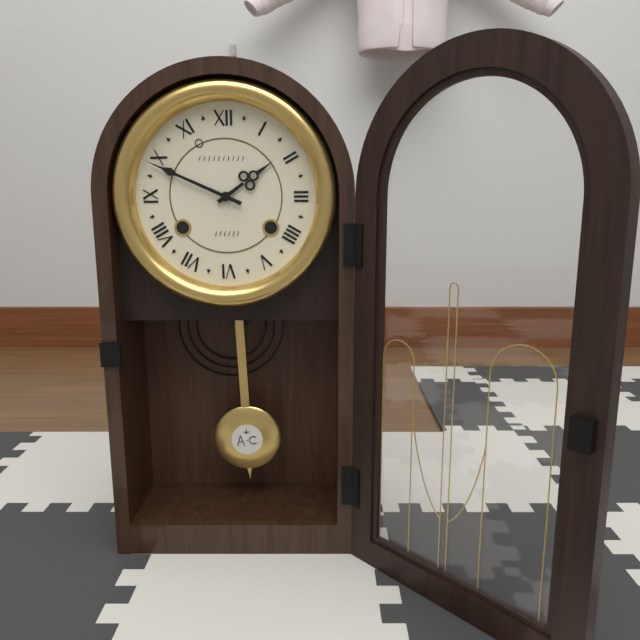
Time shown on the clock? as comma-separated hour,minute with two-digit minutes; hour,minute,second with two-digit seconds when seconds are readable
1,49
